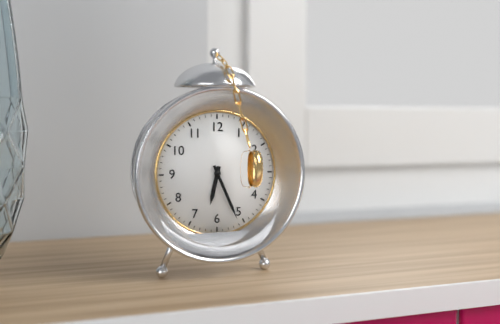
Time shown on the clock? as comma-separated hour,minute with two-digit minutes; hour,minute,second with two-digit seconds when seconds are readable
6,26
